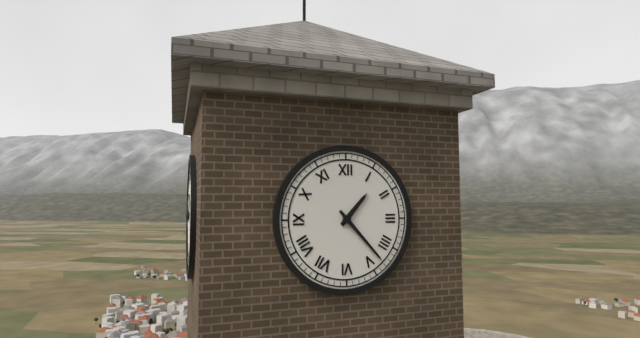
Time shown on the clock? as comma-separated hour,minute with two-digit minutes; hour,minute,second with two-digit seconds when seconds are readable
1,23
